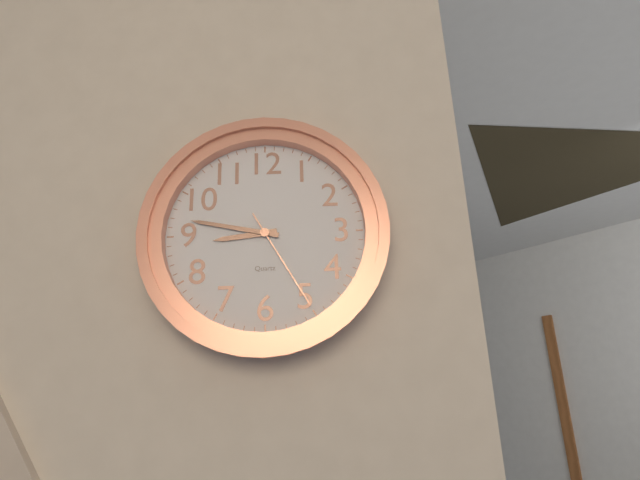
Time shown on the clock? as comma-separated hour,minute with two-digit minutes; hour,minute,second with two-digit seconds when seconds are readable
8,47,25
